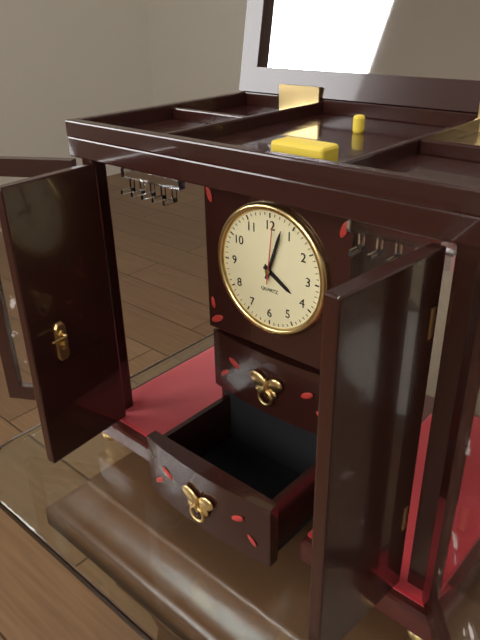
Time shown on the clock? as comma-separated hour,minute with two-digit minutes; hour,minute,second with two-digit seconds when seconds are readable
4,03,01
